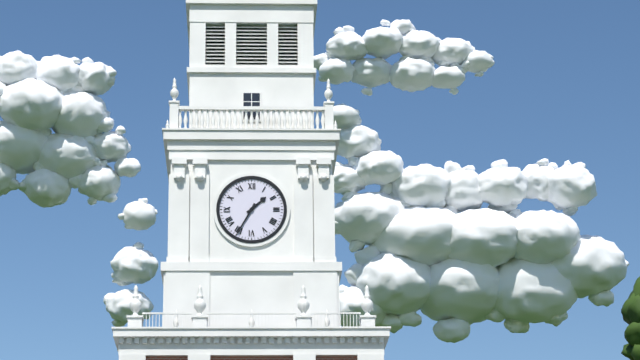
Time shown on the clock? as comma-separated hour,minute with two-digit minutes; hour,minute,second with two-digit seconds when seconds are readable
1,35
